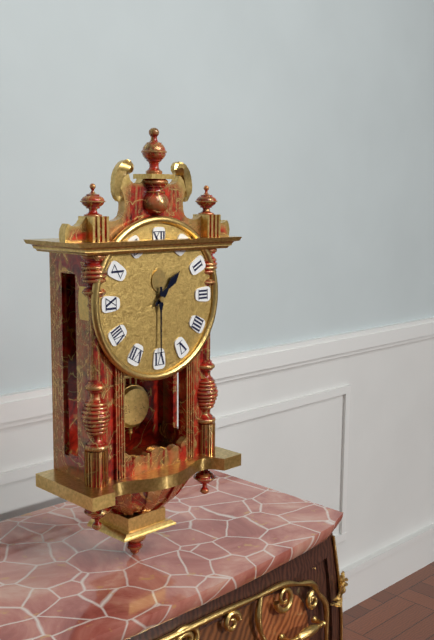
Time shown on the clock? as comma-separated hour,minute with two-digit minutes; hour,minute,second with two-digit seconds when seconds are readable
1,30
